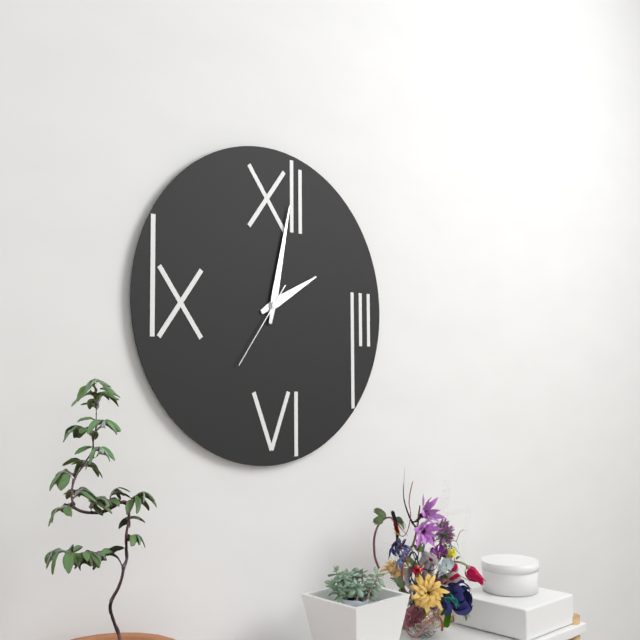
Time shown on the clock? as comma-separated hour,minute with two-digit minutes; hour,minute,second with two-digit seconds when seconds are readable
2,02,36
